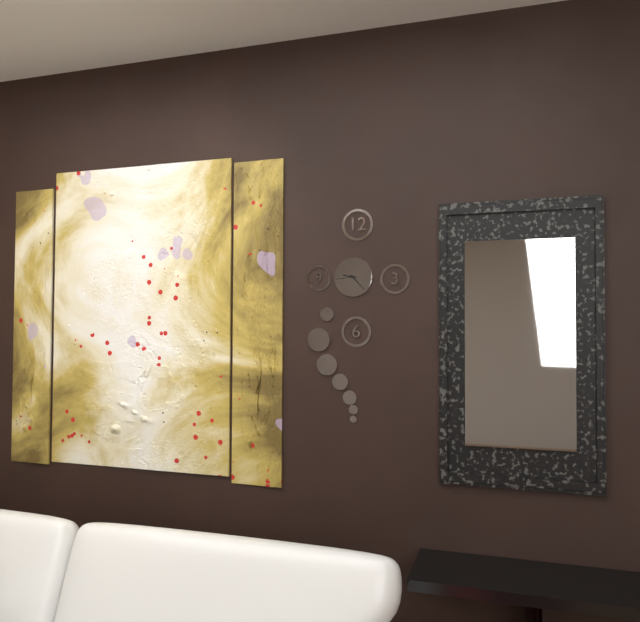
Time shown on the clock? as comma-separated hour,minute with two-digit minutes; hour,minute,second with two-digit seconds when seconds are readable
9,23
